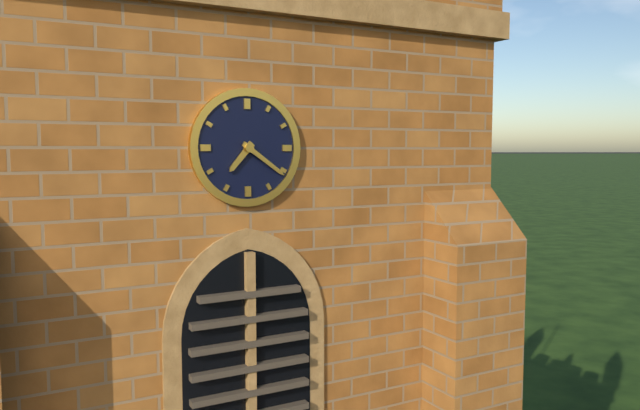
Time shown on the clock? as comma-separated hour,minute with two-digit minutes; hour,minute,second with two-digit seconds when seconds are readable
7,21
